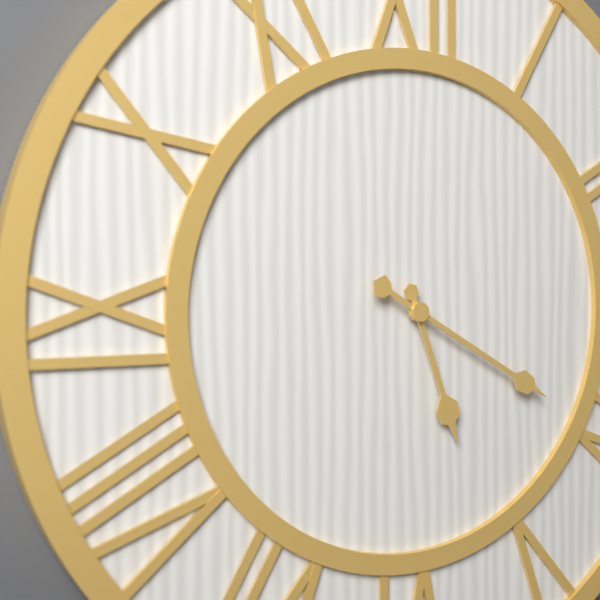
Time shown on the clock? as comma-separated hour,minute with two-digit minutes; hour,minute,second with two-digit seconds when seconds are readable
5,20
